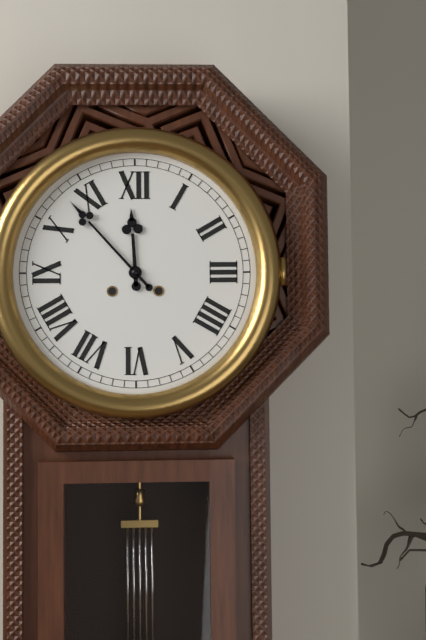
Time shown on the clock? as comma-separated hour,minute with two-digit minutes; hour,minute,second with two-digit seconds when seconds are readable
11,53
